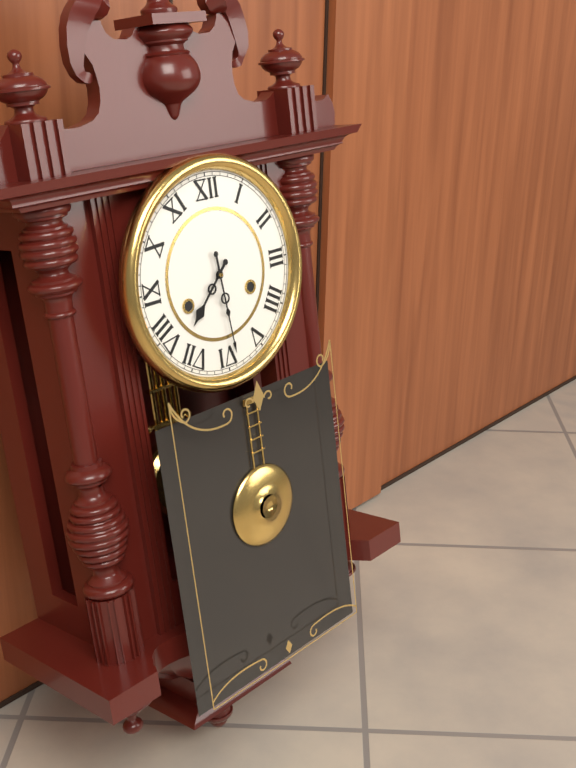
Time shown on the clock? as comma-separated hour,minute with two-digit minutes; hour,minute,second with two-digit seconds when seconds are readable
7,29
